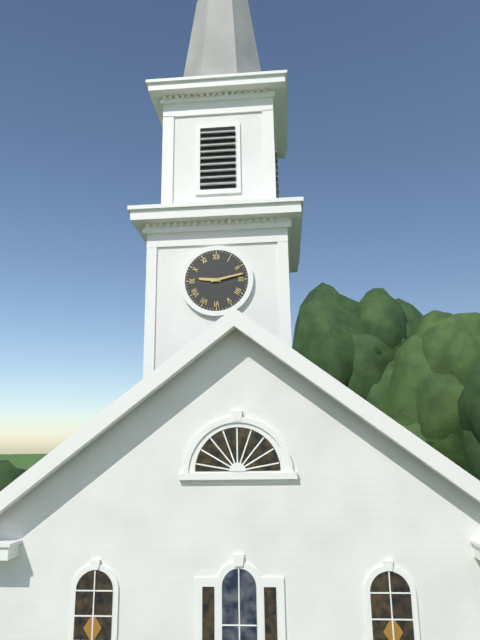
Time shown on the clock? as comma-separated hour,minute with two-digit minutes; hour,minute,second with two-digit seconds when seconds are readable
9,13
